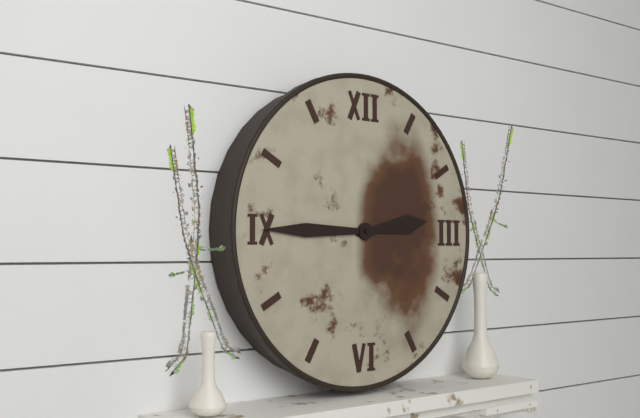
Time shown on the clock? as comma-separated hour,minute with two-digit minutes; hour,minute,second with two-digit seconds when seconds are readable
2,45
